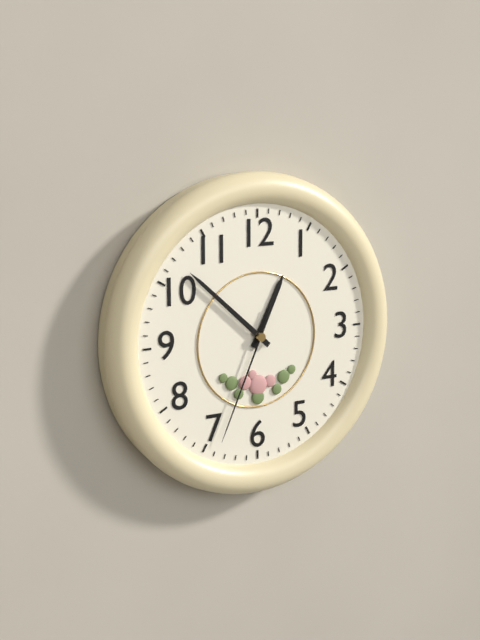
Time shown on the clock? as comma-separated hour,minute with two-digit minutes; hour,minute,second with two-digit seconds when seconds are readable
12,52,34
